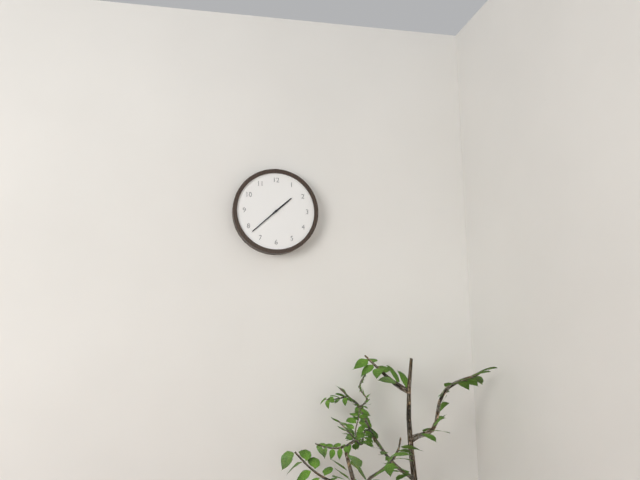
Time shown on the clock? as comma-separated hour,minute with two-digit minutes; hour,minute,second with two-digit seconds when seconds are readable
1,38
